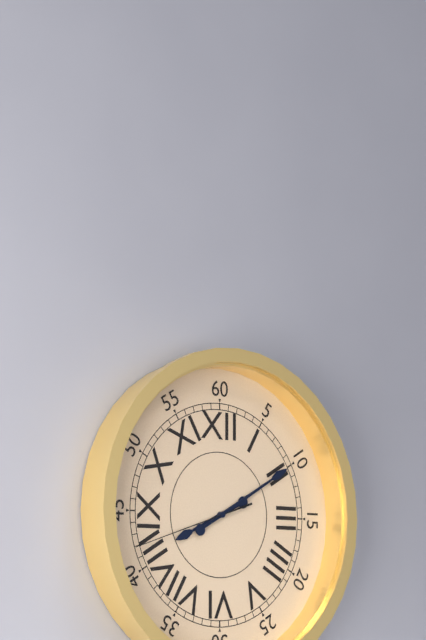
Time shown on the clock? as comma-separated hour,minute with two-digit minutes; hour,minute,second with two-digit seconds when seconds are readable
8,10,42
